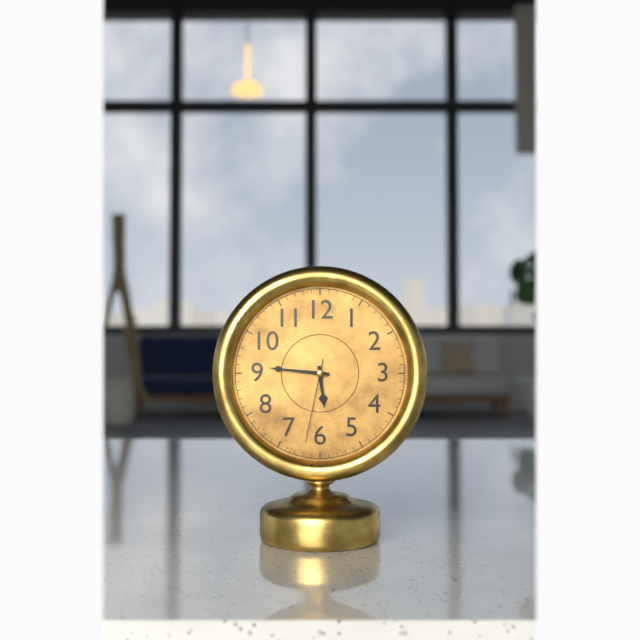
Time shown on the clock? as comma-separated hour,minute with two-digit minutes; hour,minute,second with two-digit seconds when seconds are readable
5,46,32
